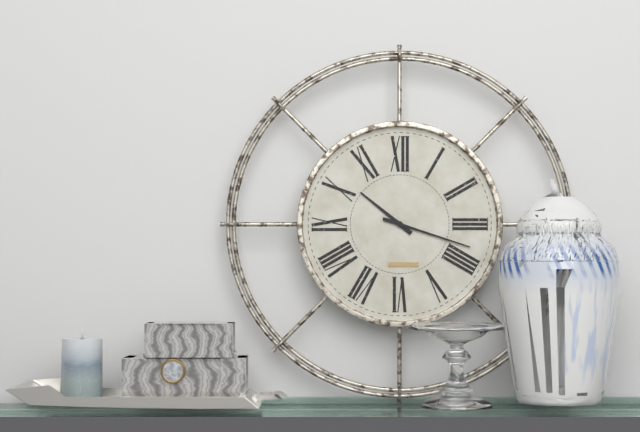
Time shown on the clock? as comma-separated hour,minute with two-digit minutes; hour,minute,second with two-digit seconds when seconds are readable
10,18
